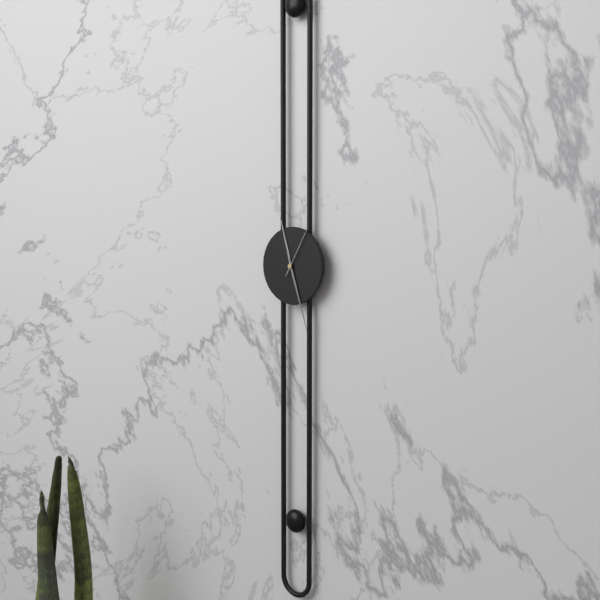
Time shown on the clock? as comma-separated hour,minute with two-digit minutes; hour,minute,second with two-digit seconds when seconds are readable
11,27,05
